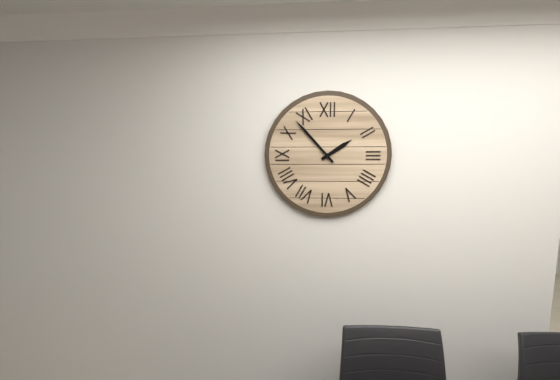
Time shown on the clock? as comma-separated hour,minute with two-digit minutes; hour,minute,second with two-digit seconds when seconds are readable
1,53
